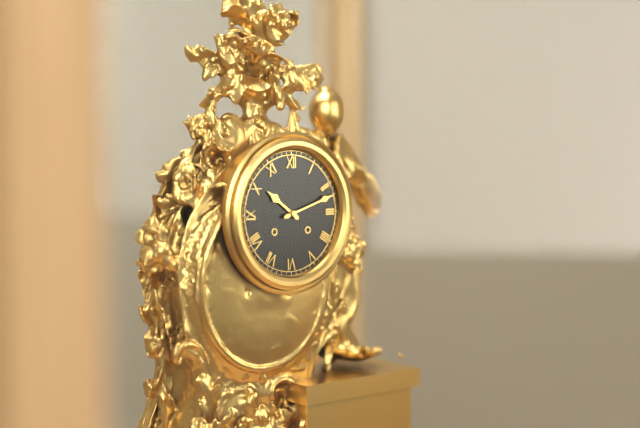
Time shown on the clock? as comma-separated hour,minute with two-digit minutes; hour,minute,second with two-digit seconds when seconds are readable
10,12
